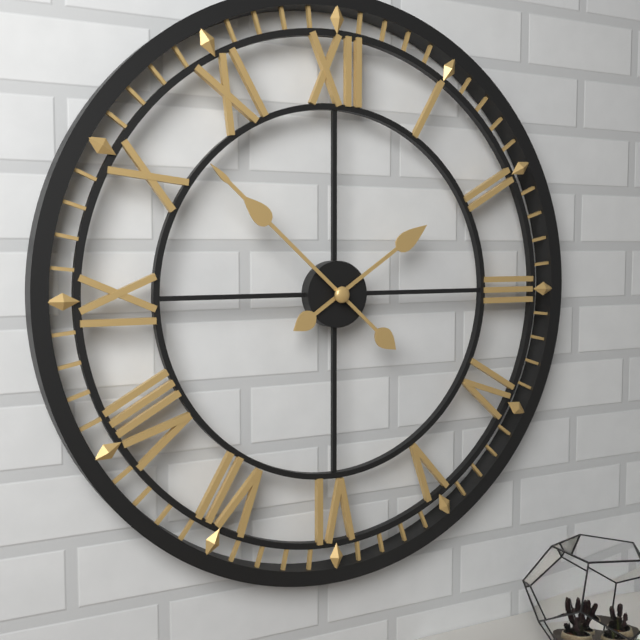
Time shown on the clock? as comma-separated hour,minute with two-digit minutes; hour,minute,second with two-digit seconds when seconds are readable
1,52
